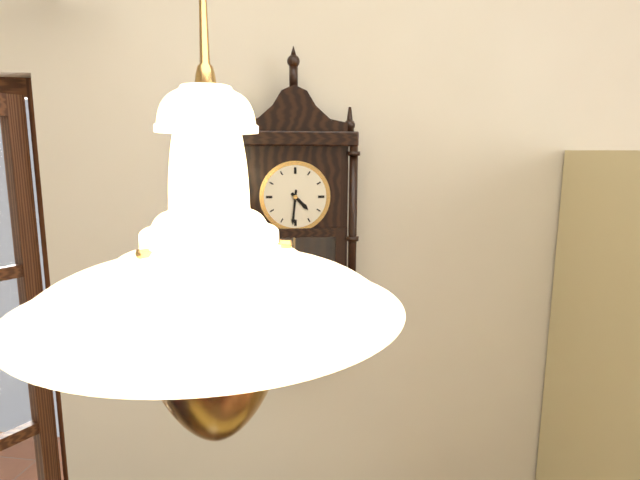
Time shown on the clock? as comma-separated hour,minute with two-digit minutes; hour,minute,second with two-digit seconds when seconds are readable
4,31
